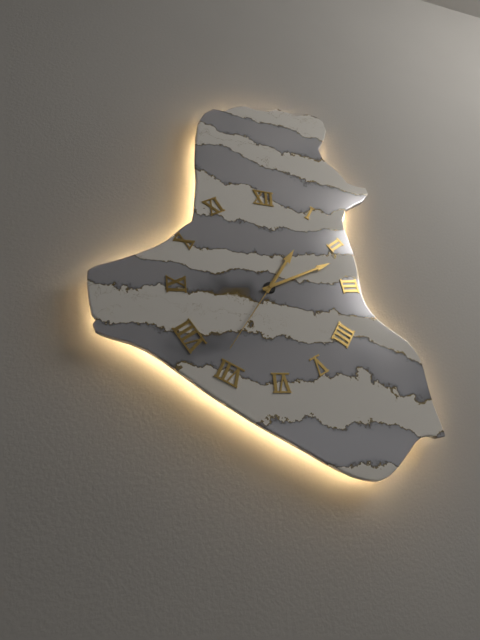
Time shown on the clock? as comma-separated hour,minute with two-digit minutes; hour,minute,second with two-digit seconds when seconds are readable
1,11,36
